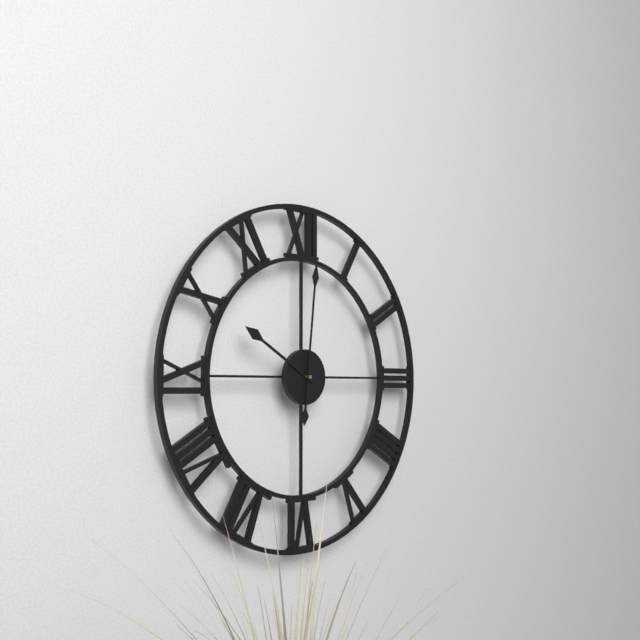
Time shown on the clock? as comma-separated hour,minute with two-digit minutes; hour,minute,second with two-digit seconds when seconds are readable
10,01
